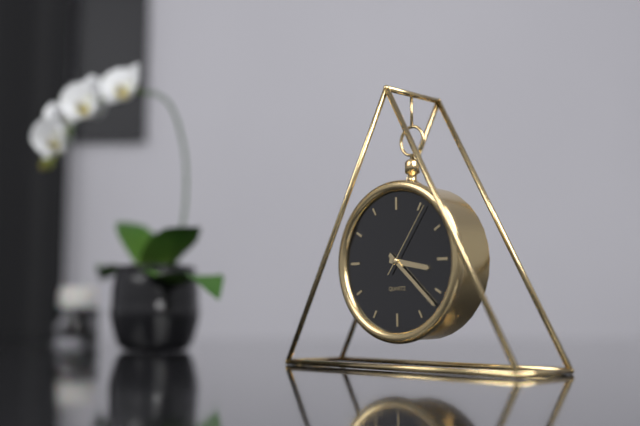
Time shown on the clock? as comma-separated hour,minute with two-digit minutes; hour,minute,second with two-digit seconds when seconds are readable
3,22,06
